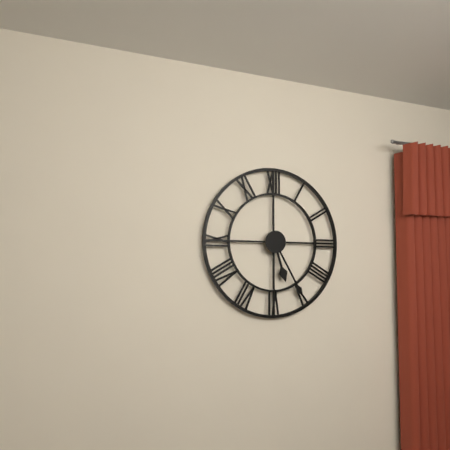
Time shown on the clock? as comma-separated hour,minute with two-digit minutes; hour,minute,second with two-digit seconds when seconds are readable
5,25
